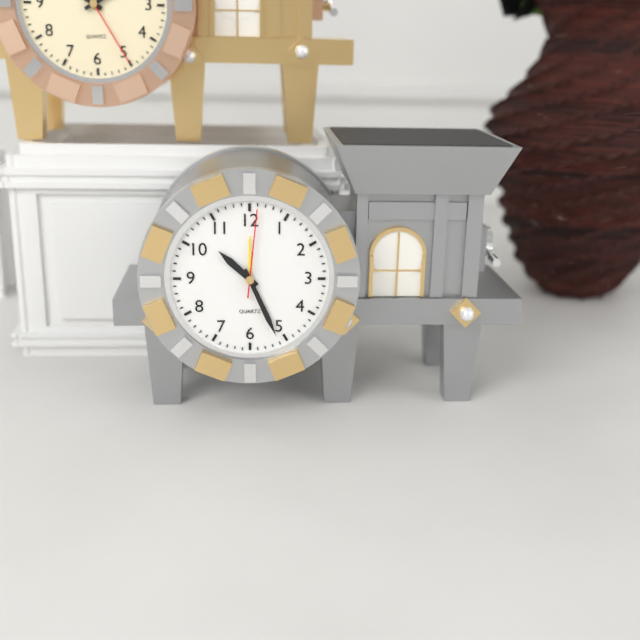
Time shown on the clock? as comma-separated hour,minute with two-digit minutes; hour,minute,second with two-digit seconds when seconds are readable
10,26,01
